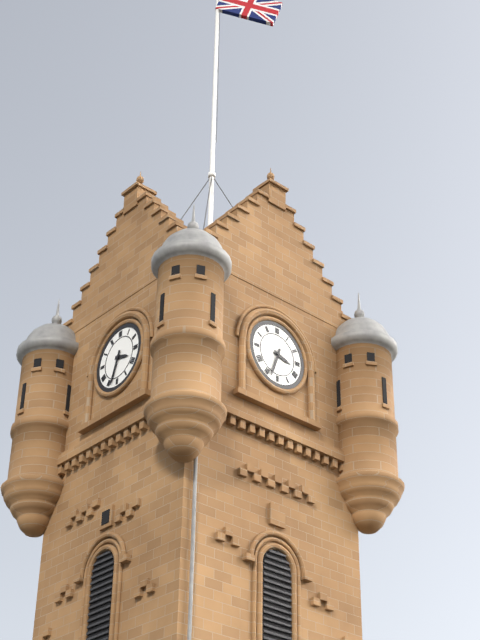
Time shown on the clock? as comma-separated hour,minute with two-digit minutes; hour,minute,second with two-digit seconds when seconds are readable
3,33
